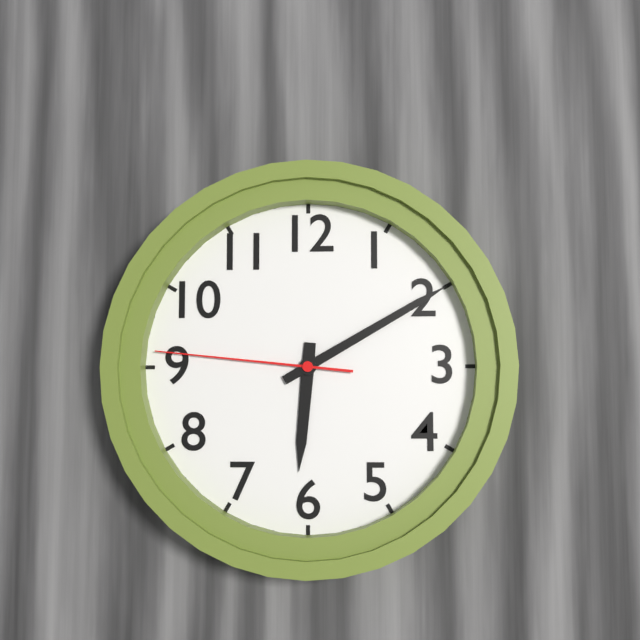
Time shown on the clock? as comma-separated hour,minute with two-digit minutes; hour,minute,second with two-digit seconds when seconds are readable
6,10,46
